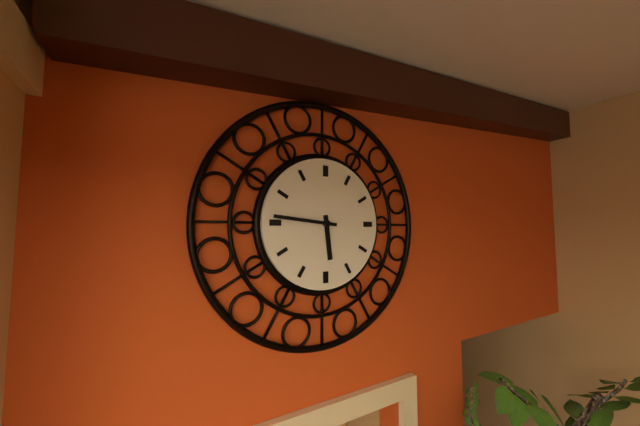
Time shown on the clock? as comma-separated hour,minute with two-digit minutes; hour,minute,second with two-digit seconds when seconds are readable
5,46
